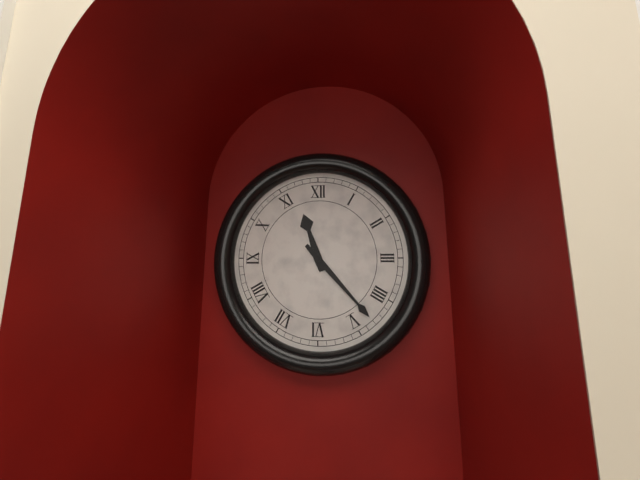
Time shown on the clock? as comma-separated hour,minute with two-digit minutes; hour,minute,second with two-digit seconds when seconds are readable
11,23
